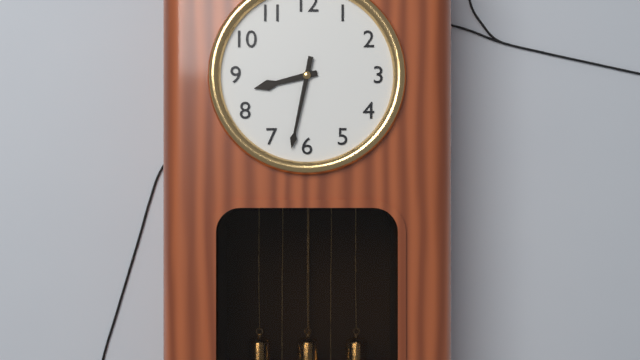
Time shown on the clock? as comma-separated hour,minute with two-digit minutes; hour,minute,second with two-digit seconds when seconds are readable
8,32
